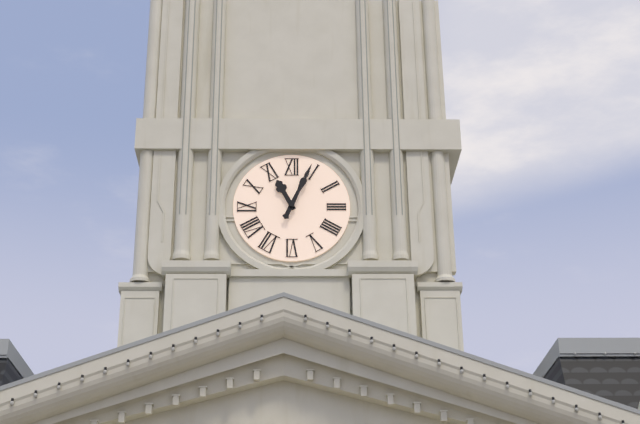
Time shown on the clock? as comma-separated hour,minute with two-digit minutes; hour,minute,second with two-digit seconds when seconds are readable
11,04
